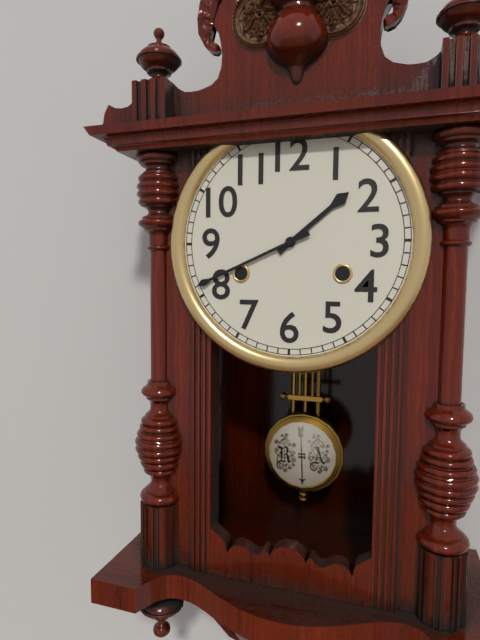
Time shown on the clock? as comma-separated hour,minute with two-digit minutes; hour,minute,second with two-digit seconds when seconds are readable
1,41
